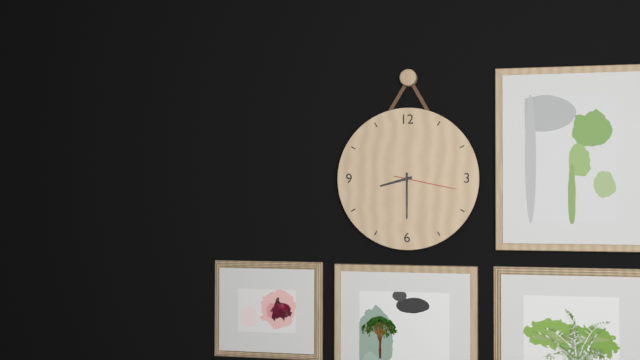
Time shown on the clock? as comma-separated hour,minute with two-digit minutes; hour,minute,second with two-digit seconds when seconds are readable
8,30,17
